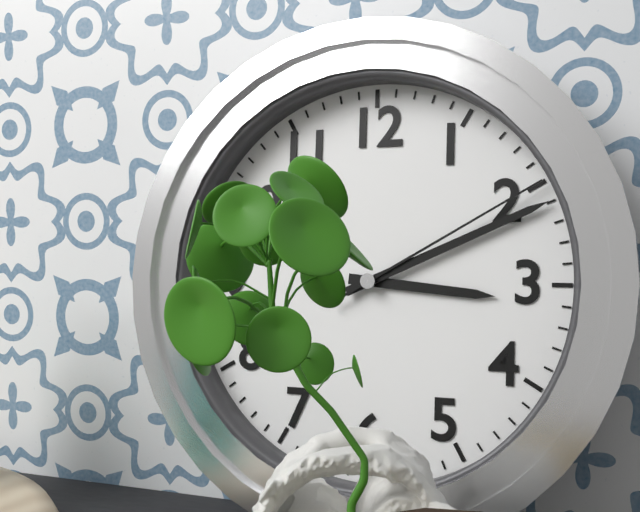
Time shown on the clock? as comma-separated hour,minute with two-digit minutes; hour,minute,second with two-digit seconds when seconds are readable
3,11,10
